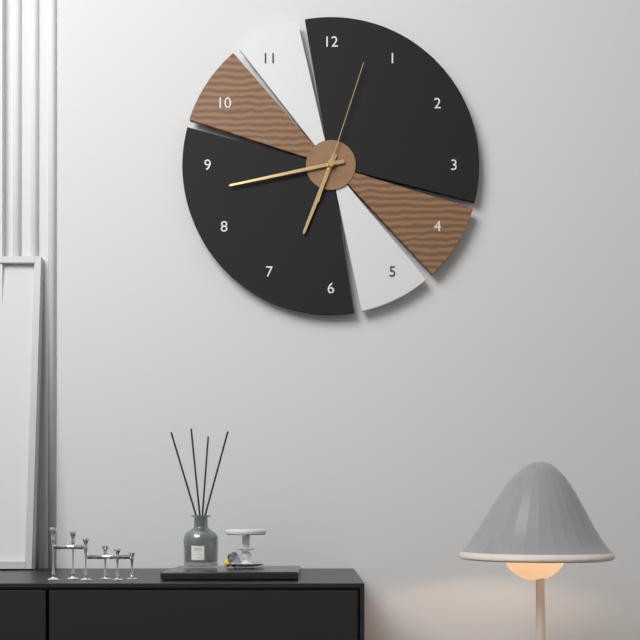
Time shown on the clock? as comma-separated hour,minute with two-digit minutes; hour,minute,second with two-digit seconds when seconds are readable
6,43,03
